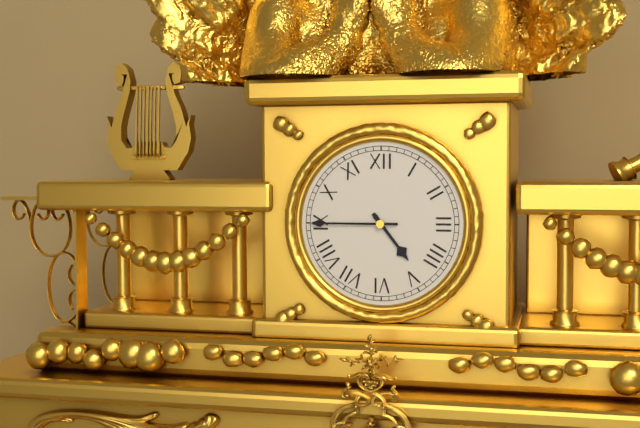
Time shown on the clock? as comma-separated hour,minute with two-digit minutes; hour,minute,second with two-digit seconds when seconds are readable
4,45
